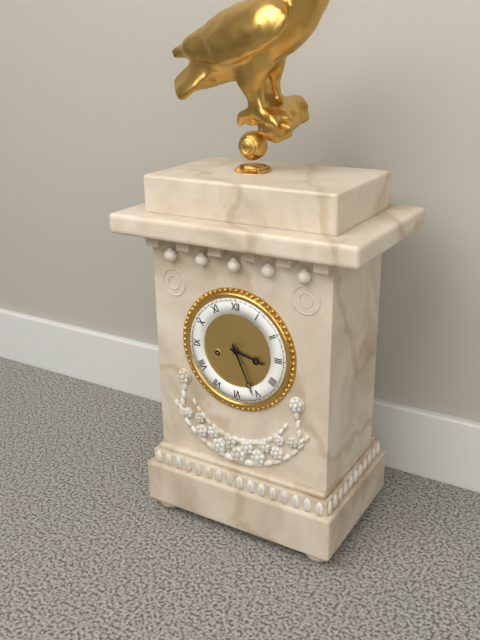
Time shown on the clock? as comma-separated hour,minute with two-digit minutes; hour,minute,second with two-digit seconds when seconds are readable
3,26
